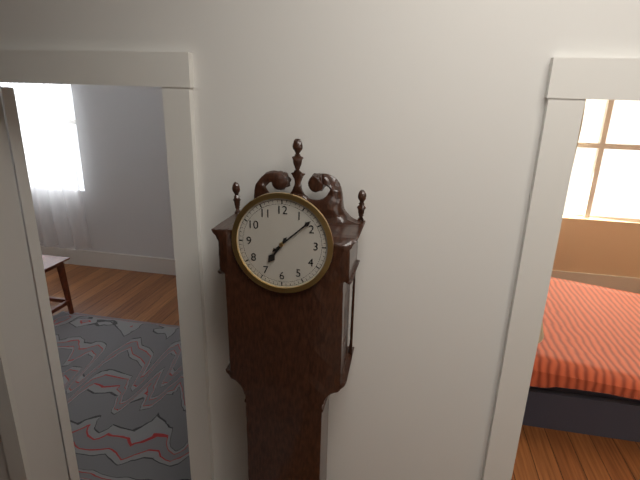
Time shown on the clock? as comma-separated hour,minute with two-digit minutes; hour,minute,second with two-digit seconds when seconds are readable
7,08
